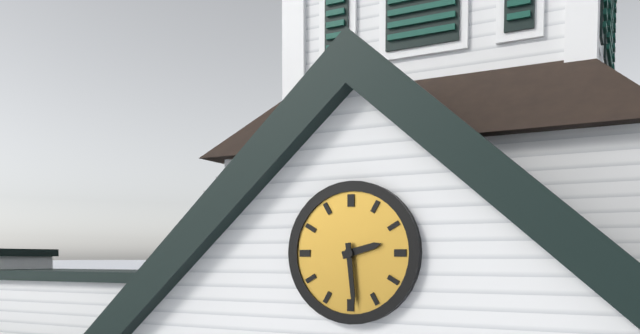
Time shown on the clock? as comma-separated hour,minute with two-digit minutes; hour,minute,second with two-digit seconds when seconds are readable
2,29
